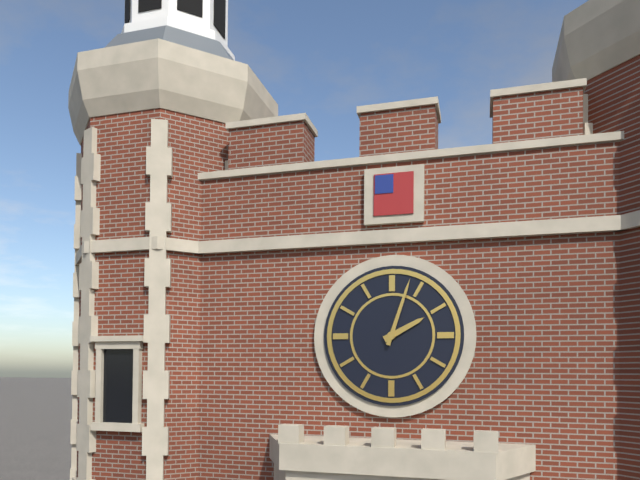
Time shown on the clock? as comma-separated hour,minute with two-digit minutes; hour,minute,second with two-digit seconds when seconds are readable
2,03
